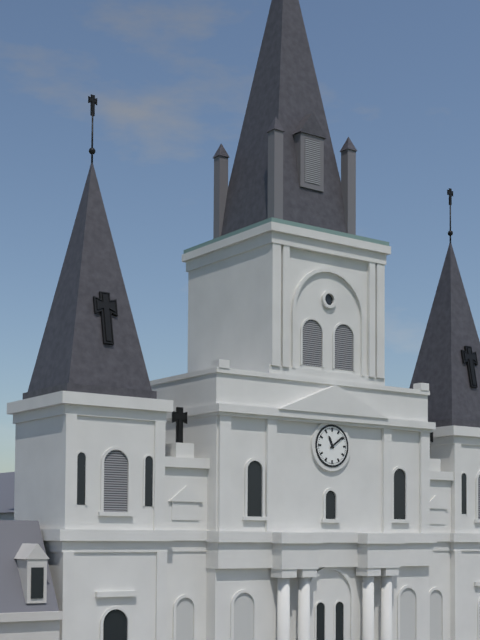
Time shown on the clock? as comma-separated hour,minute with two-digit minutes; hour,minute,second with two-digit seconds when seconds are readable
11,09
